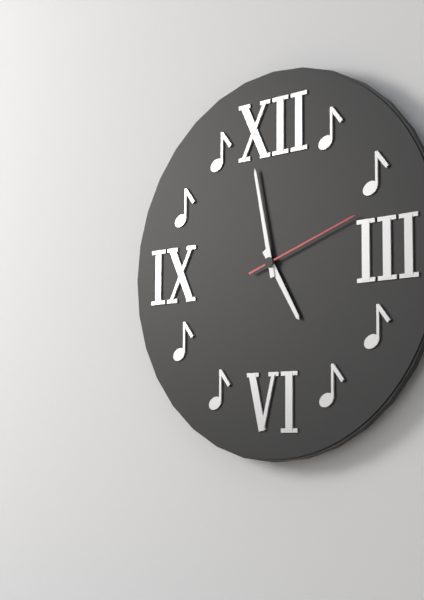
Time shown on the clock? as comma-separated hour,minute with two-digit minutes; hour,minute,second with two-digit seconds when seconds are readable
4,58,12
